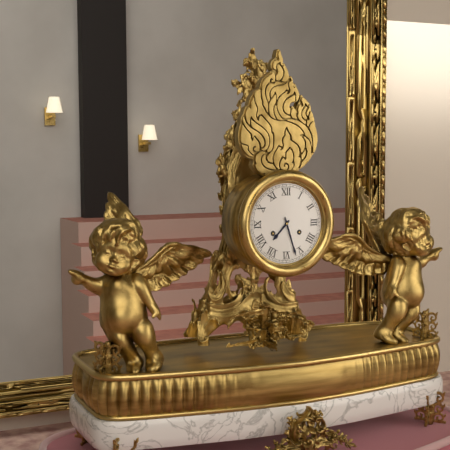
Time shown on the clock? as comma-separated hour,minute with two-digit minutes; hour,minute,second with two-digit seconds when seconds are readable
7,27
